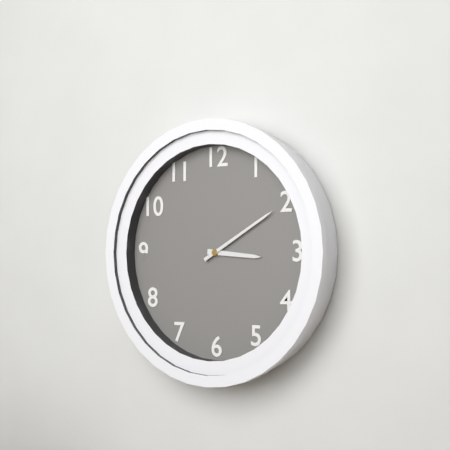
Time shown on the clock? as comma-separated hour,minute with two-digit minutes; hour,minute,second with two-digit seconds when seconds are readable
3,10
